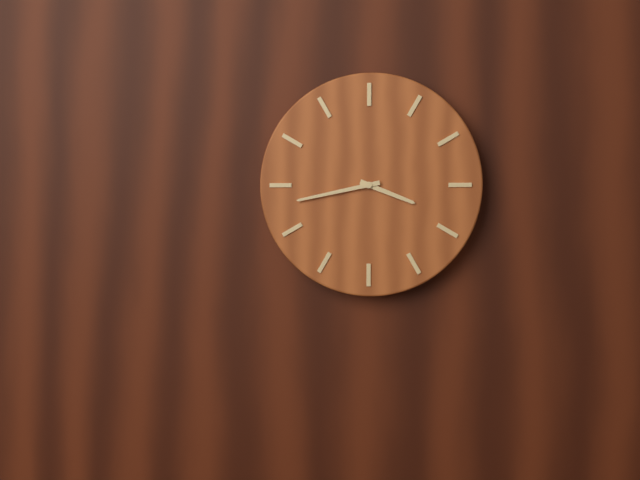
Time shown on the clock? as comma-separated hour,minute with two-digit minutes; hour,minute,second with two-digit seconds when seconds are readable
3,43
